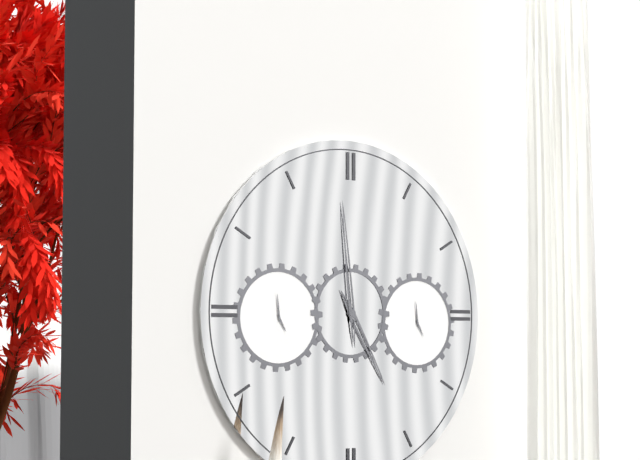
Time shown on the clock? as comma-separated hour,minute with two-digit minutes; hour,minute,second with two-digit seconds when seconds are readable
4,59
